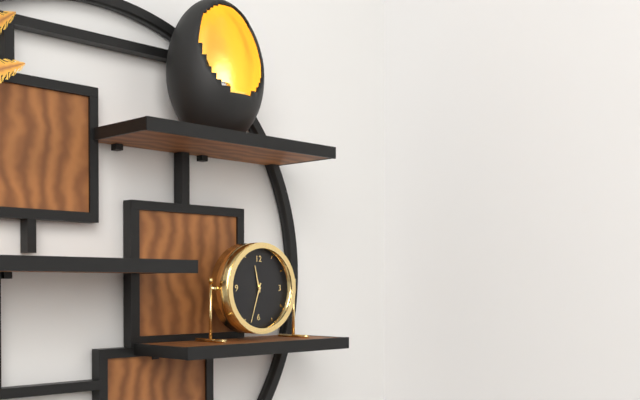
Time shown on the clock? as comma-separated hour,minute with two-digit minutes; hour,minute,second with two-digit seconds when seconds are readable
11,33
